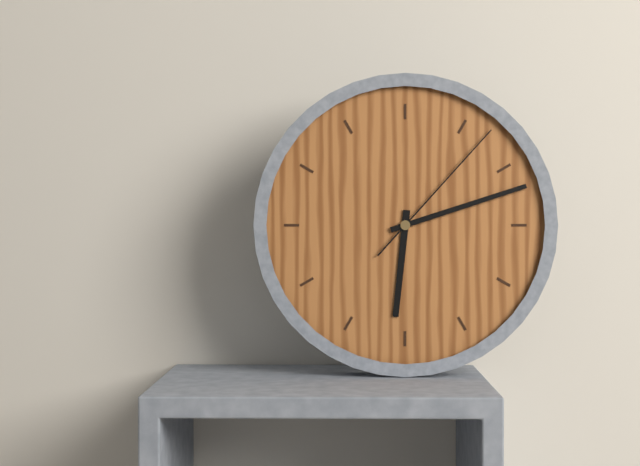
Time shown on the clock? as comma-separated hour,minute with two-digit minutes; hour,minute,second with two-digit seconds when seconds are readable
6,12,07
